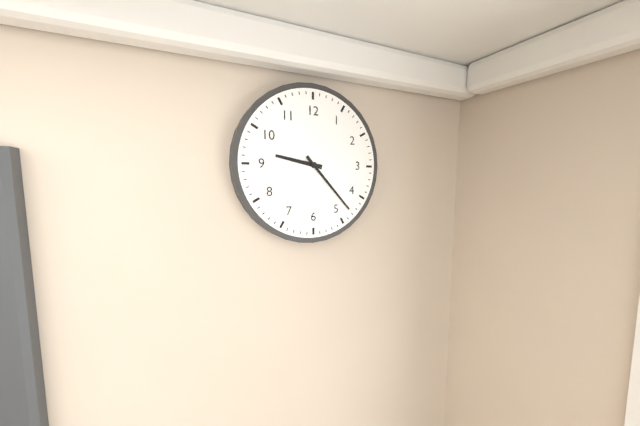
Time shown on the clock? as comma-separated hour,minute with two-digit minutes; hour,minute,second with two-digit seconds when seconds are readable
9,23
